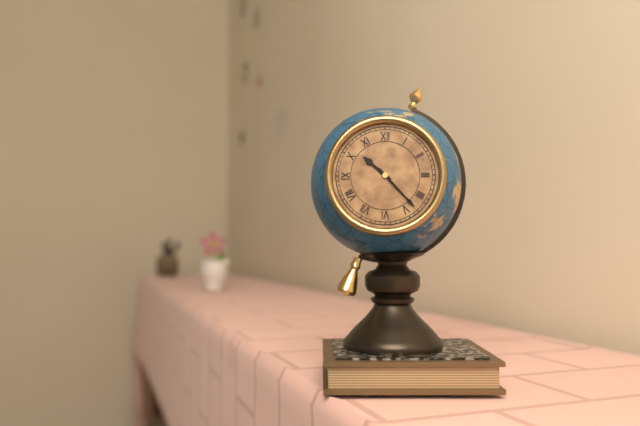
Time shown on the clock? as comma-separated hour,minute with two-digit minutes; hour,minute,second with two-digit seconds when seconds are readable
10,23
